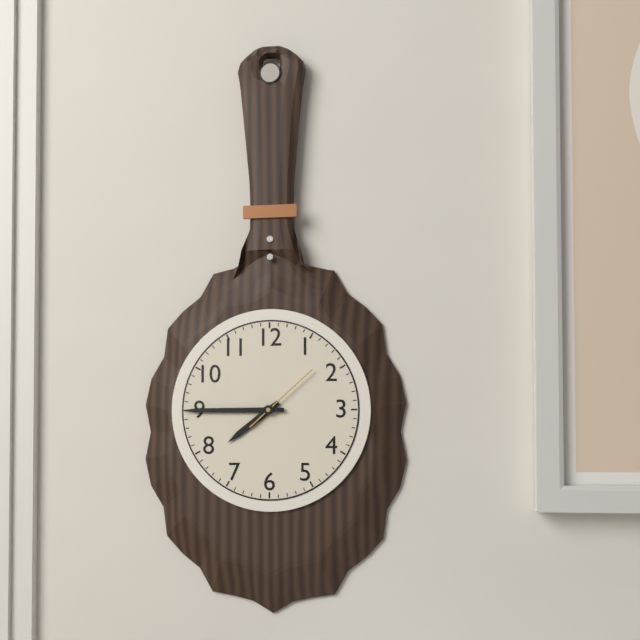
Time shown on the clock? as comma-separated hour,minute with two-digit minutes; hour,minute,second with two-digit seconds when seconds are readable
7,45,08
